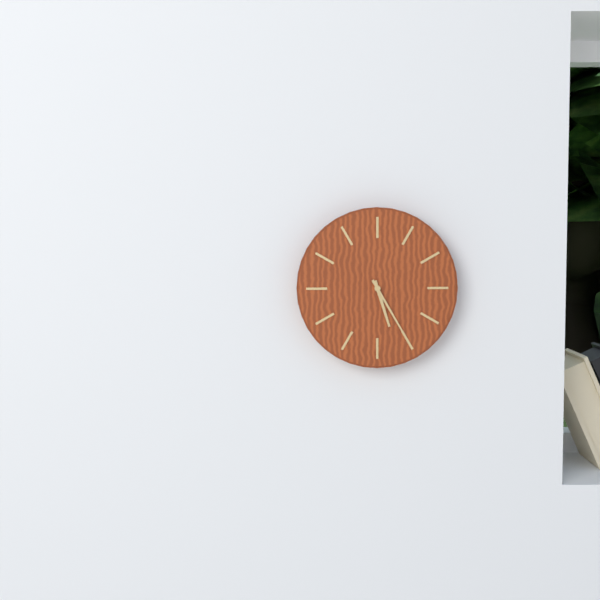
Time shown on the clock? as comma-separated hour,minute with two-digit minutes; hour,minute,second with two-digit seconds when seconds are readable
5,25
